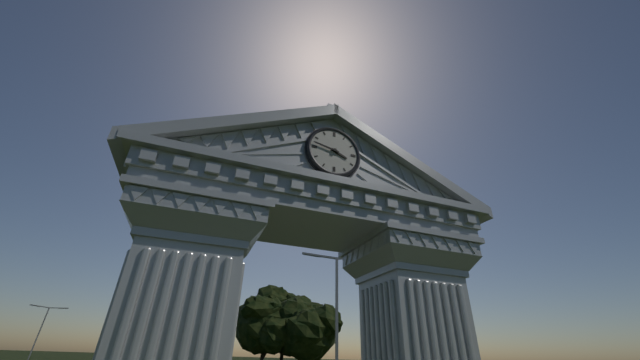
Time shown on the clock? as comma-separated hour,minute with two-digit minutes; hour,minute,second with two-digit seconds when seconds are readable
3,47
